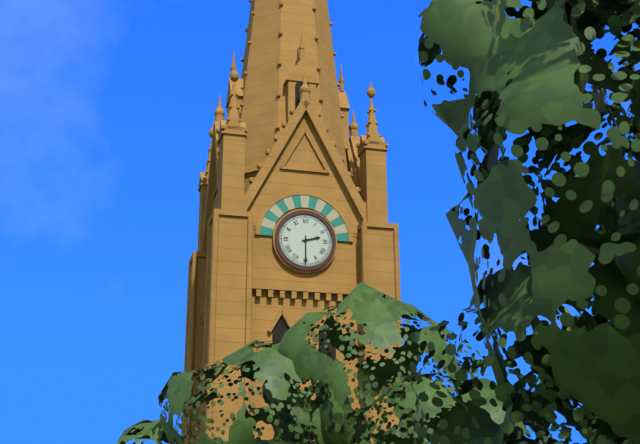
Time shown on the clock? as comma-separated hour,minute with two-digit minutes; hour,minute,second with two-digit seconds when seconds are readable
2,30
